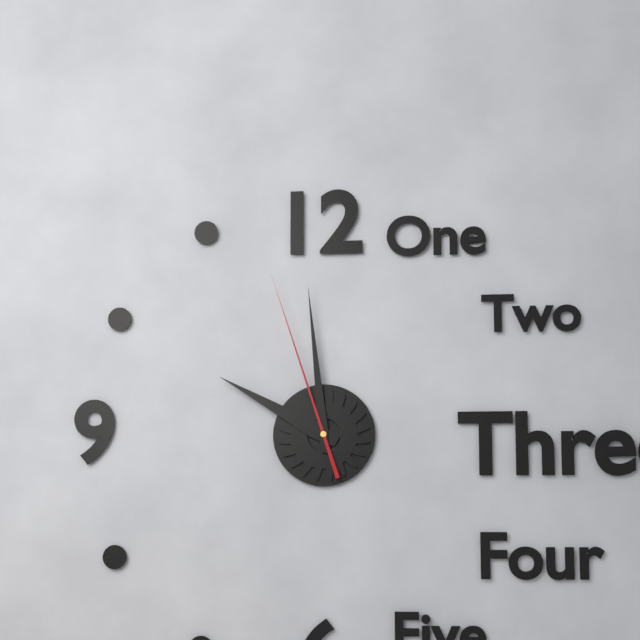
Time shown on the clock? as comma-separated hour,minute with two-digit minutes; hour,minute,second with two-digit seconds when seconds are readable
9,59,57
